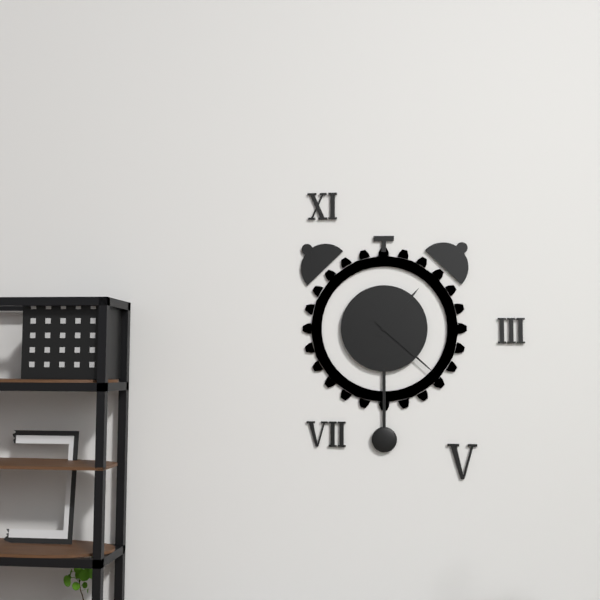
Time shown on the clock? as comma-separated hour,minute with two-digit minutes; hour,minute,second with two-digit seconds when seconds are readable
1,22
